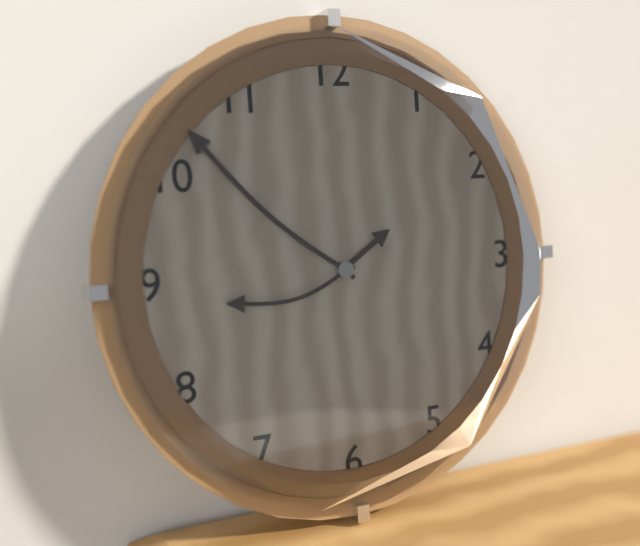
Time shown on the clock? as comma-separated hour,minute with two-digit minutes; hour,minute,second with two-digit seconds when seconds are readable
1,52,43
